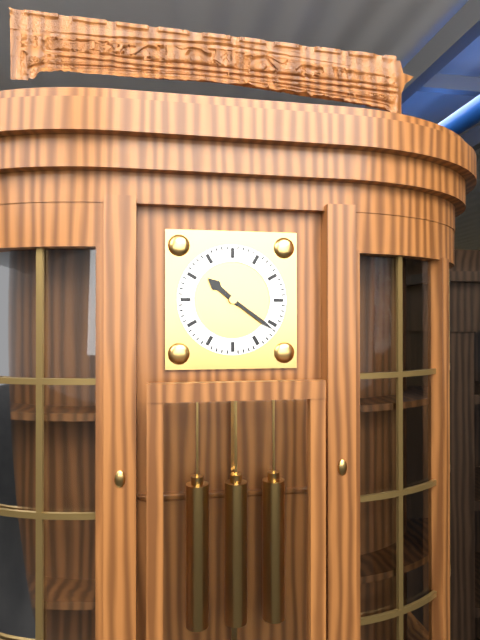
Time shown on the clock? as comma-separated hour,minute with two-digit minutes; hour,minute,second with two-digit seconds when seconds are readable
10,21
